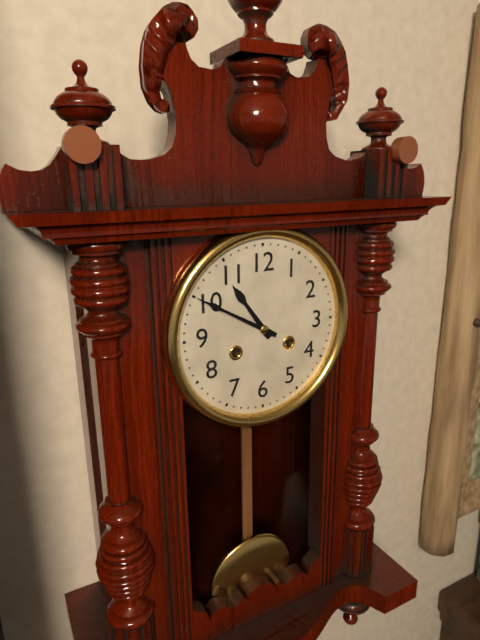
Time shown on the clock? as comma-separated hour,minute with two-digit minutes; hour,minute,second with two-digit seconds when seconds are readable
10,50
